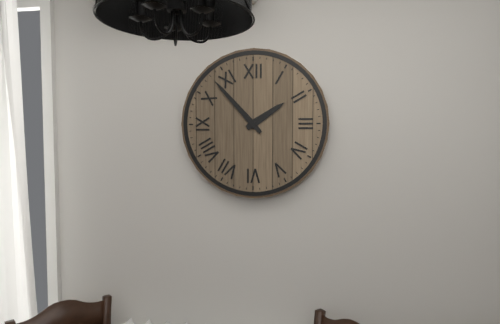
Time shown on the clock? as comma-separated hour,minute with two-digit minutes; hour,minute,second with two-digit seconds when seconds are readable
1,53
